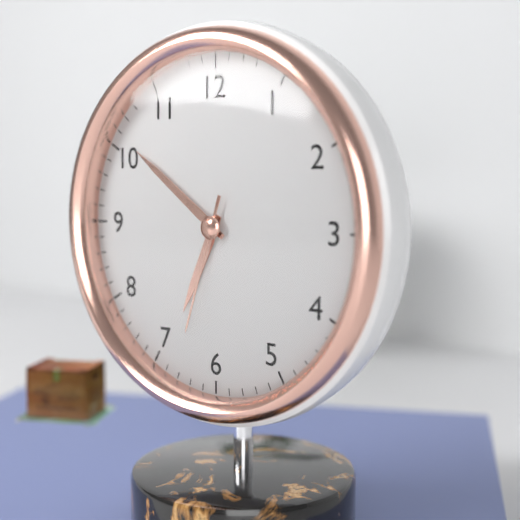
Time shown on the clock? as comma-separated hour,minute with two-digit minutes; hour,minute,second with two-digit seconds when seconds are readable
6,51,33
